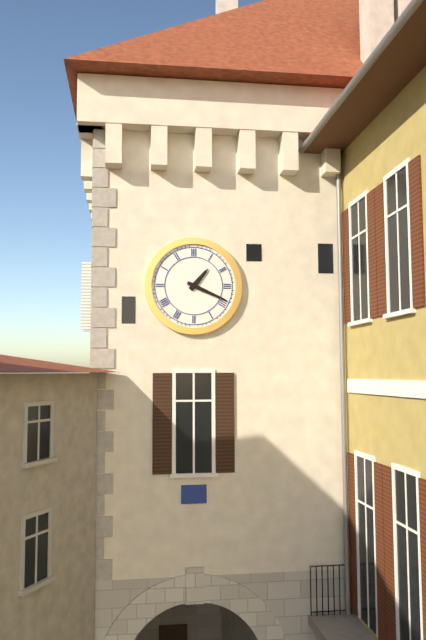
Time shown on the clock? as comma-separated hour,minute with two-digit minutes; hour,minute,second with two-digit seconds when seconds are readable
1,19
